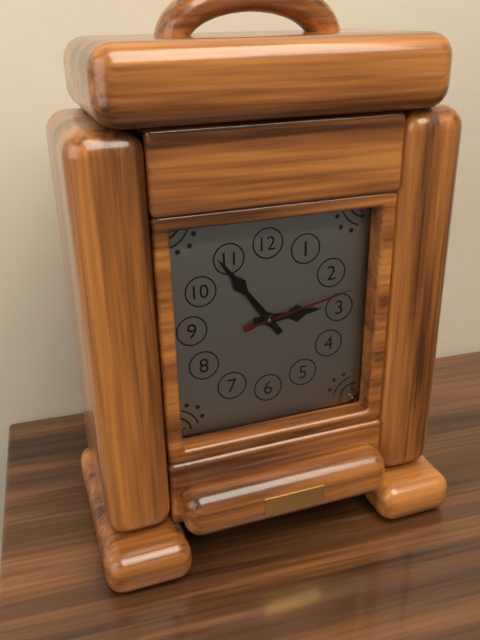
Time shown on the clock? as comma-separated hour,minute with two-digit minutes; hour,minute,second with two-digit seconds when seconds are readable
2,54,13
